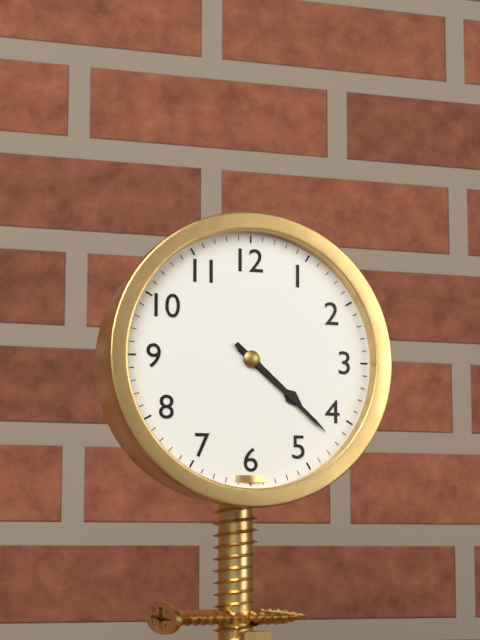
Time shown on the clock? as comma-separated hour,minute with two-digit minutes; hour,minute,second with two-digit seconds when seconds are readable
4,22
